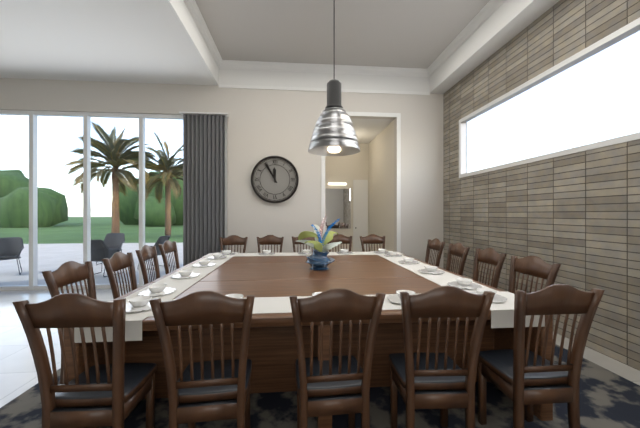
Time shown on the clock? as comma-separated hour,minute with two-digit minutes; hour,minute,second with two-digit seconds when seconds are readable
11,55
